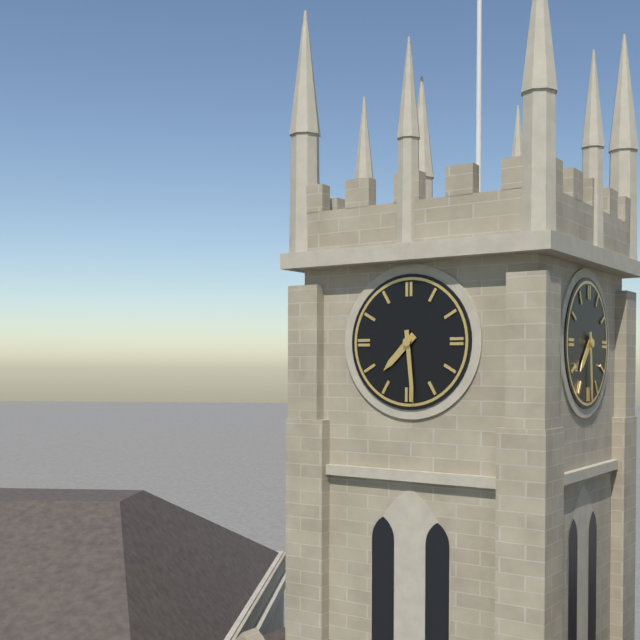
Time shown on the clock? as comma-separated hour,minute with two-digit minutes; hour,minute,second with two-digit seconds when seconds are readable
7,29
